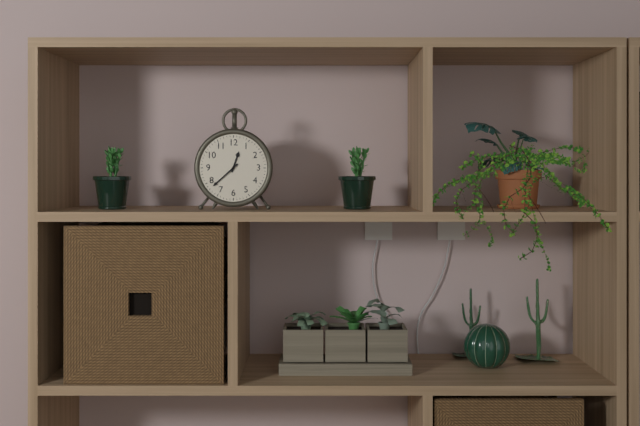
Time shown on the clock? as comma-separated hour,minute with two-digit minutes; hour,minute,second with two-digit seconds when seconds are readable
12,38
